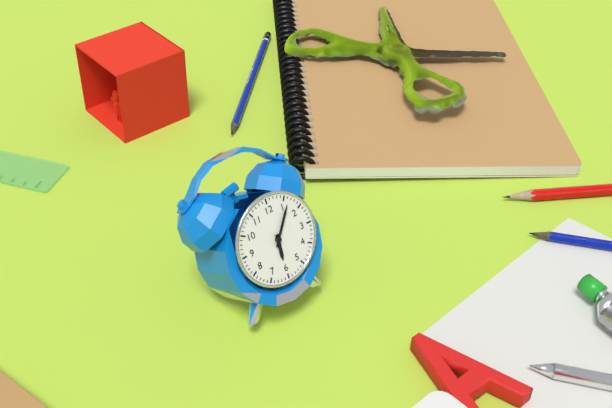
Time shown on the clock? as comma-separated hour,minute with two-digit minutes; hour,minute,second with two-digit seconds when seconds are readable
6,06
